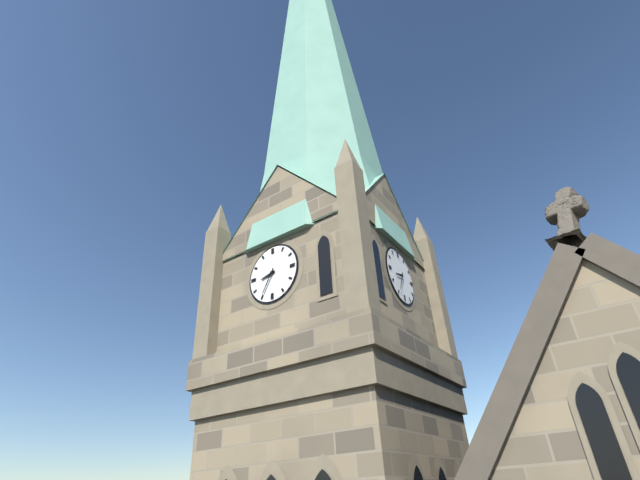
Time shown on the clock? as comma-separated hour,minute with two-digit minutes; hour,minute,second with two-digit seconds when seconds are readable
8,35
